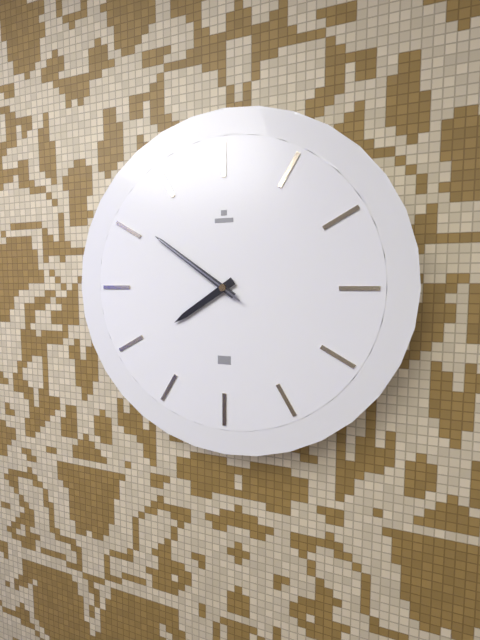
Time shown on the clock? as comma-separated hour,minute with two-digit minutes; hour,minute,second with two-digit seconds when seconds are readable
7,51,51
